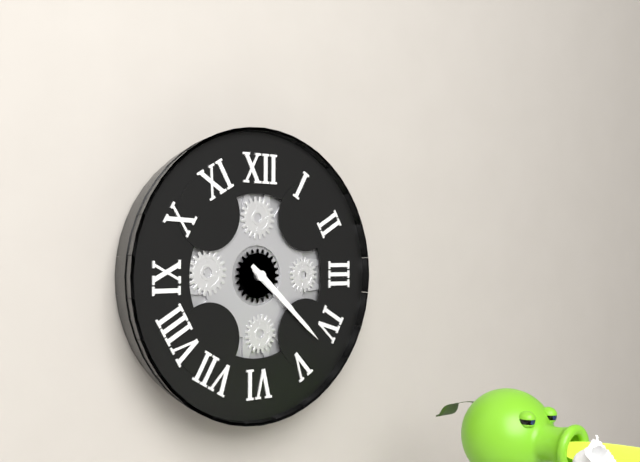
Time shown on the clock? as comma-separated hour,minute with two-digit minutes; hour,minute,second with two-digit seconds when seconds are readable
4,22
